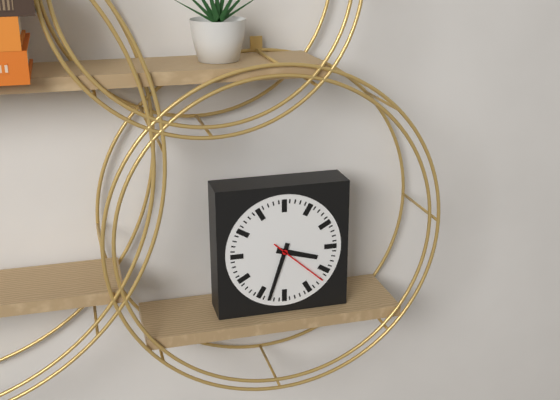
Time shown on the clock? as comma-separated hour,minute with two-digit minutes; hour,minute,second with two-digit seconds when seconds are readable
3,33,22
